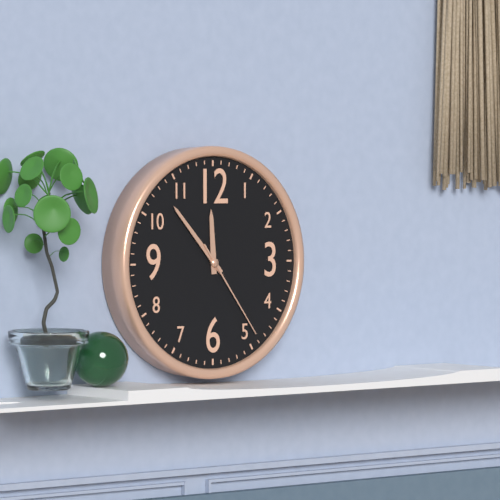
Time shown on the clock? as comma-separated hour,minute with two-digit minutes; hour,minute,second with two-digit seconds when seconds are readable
11,53,24
